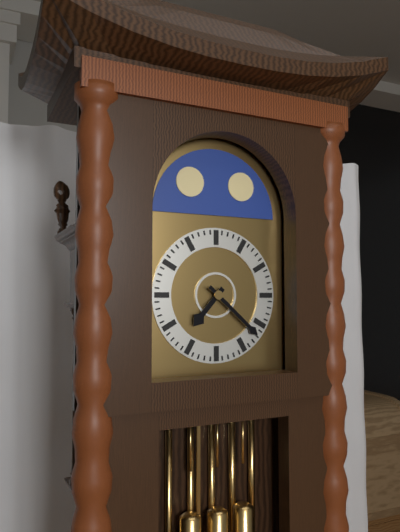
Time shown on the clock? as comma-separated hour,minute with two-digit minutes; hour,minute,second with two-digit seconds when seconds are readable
7,22
